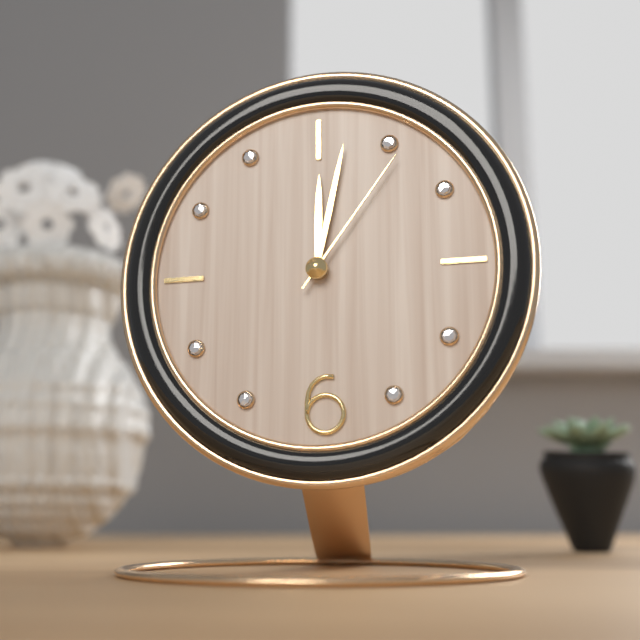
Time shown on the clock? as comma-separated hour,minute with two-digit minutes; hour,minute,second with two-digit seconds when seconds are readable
12,02,06
